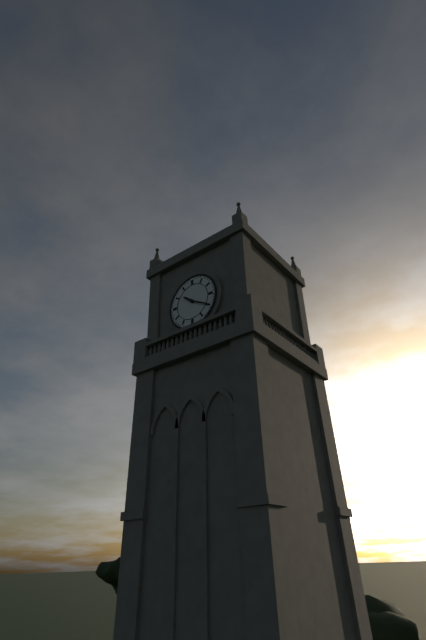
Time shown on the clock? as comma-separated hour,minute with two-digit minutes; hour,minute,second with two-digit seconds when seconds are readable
10,20
